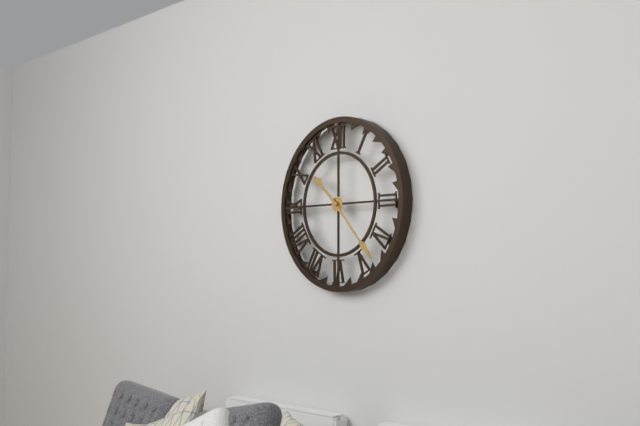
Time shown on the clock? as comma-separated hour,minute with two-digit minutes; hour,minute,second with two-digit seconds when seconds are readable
10,23
